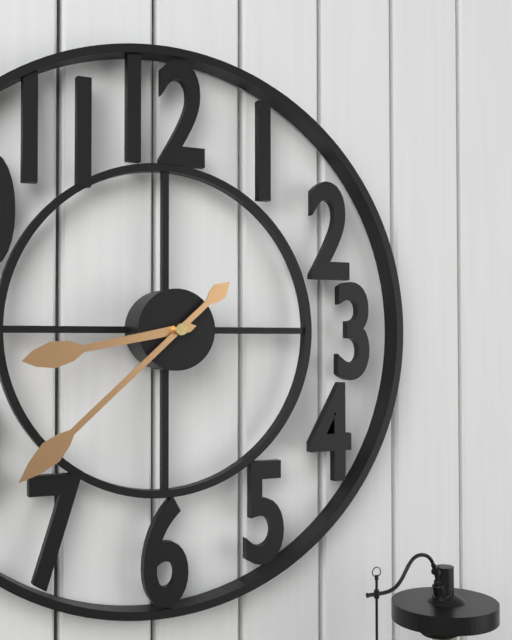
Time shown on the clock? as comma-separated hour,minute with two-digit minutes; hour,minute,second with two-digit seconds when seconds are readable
8,38
